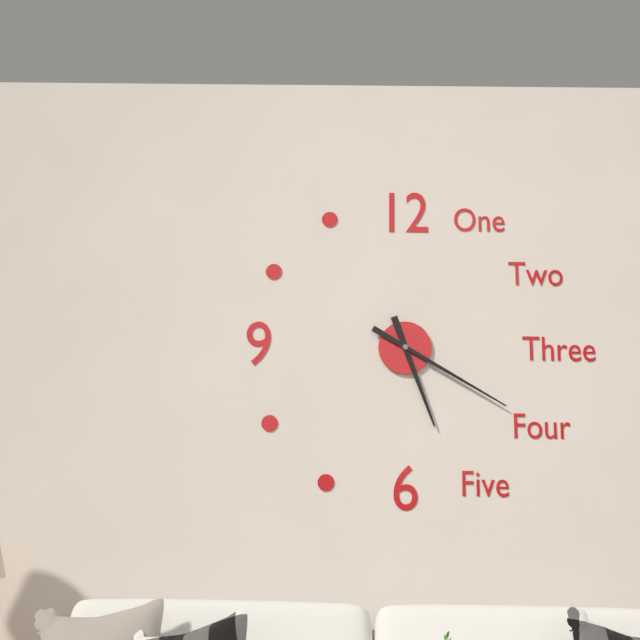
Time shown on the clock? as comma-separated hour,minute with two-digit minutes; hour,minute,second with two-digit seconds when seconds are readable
5,20
